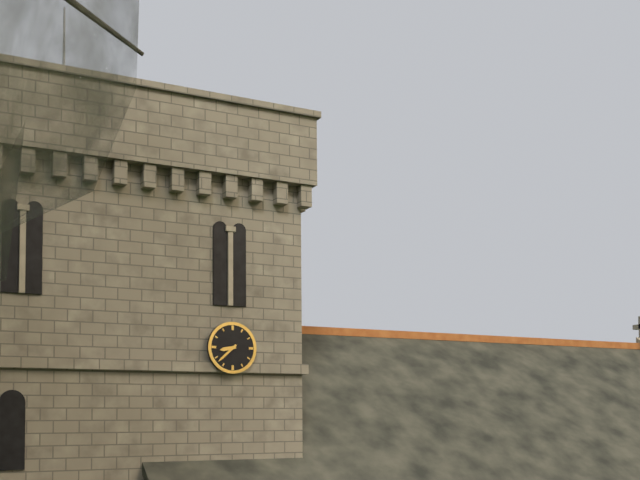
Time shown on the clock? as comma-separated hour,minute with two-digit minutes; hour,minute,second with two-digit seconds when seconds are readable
8,38
